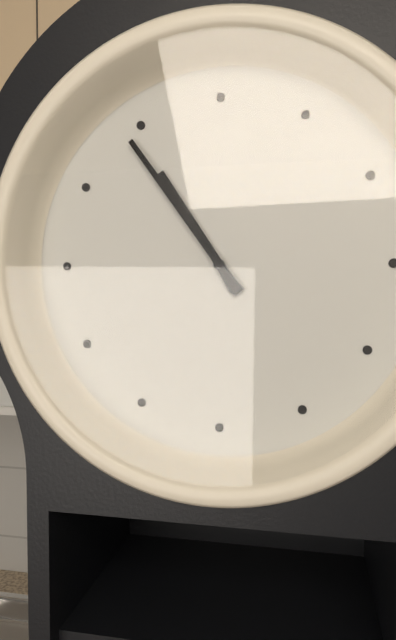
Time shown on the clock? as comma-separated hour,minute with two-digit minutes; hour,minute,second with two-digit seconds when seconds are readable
10,54
